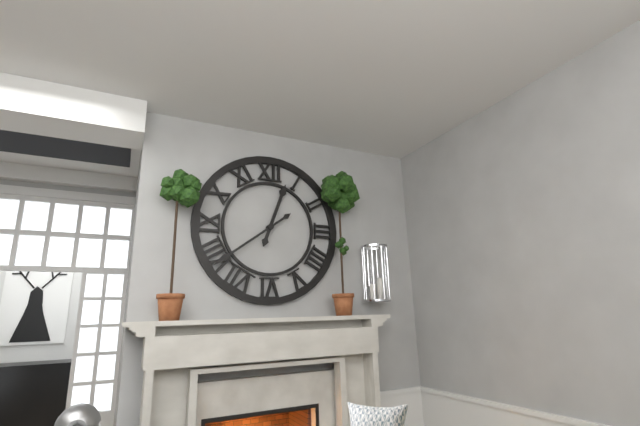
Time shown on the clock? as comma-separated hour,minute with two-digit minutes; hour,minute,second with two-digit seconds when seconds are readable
12,39
